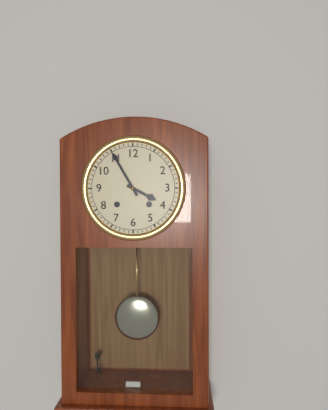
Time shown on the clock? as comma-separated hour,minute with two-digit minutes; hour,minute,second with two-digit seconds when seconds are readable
3,55
